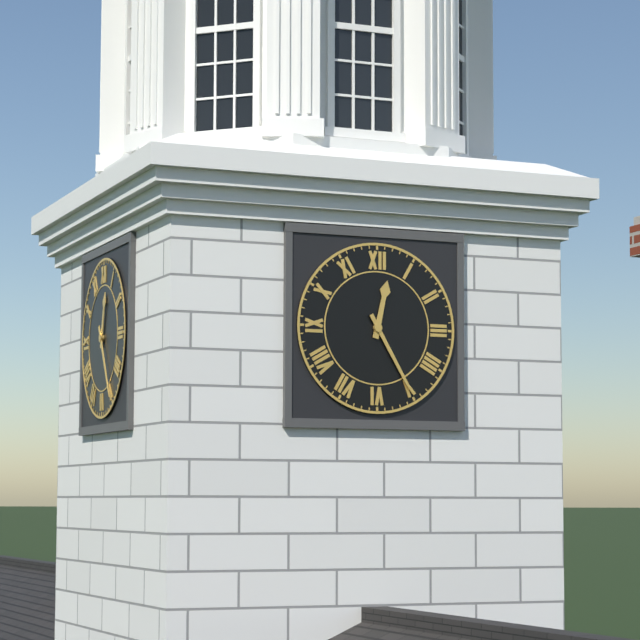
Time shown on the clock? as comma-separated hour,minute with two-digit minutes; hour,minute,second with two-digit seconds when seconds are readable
12,25
